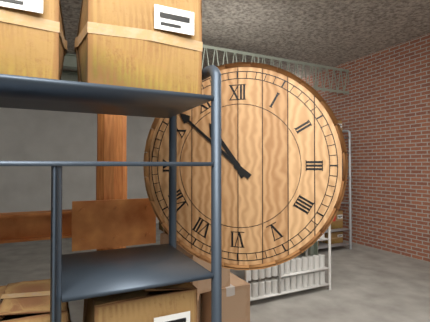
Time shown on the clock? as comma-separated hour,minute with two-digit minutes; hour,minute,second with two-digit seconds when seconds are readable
10,52
